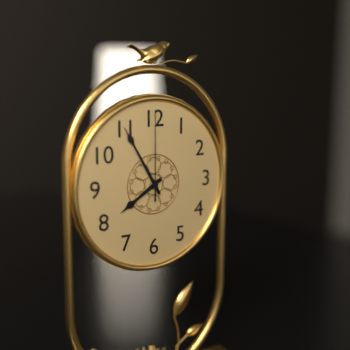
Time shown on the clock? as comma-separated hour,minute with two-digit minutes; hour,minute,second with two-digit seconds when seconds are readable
7,55,00
